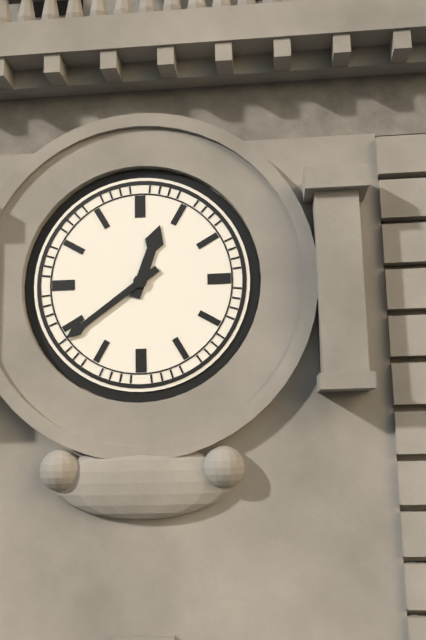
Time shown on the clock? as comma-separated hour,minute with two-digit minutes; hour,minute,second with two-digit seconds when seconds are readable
12,39
